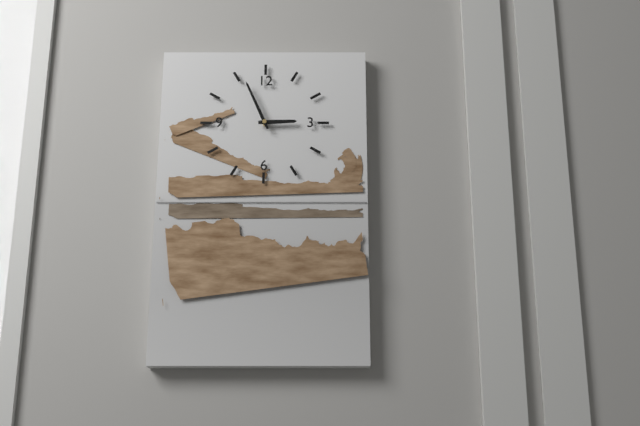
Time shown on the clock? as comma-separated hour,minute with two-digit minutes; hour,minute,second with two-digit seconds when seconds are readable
2,56
